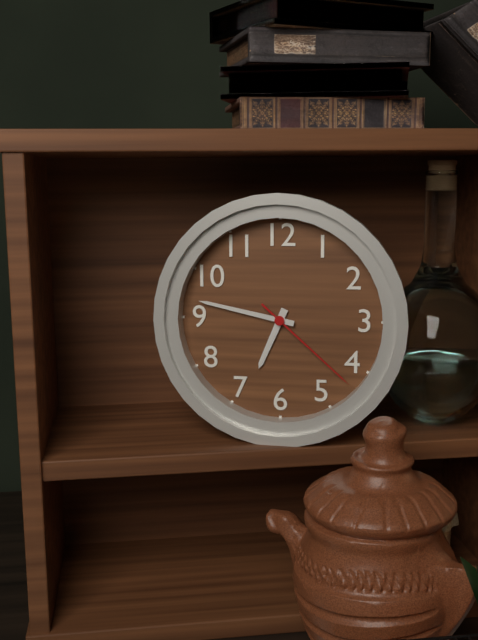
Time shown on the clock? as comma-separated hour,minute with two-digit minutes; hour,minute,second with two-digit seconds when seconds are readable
6,47,22
